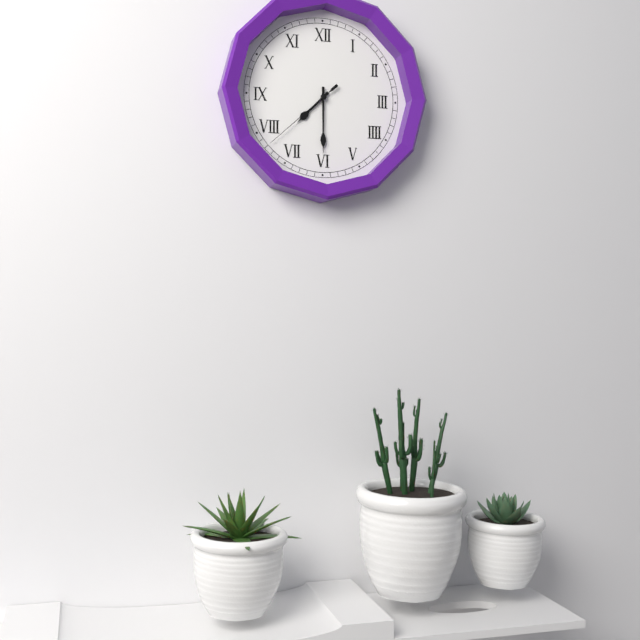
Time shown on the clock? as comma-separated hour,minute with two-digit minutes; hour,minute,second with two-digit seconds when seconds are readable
7,30,38
